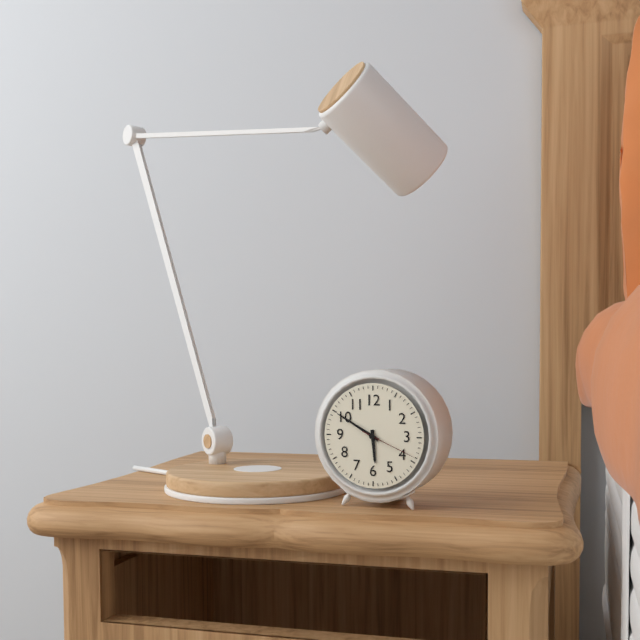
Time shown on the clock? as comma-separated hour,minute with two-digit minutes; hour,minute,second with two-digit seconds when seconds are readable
5,50,19
